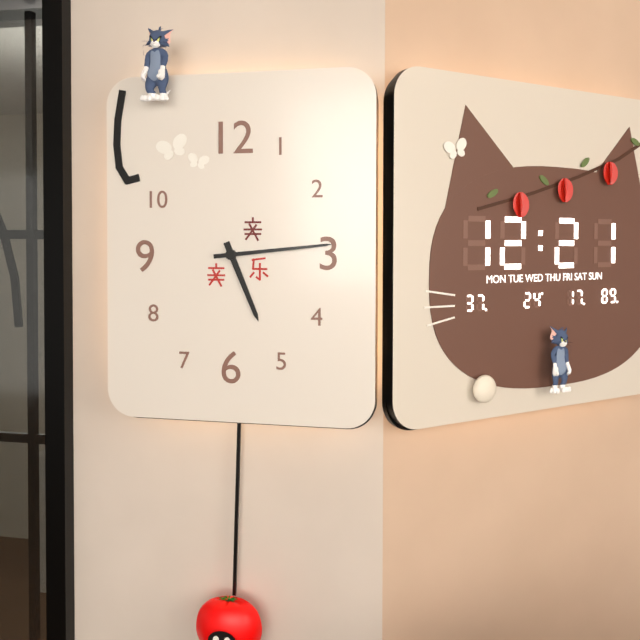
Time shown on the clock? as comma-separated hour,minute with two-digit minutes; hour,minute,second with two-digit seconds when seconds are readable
5,14
